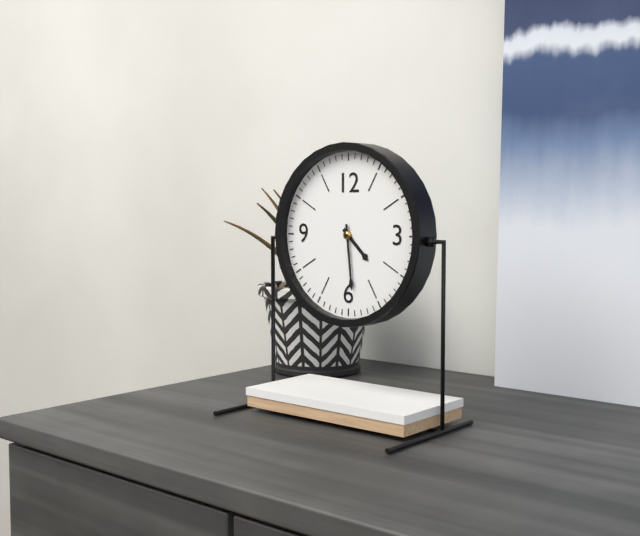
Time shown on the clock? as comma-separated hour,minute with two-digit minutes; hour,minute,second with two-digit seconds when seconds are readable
4,29
